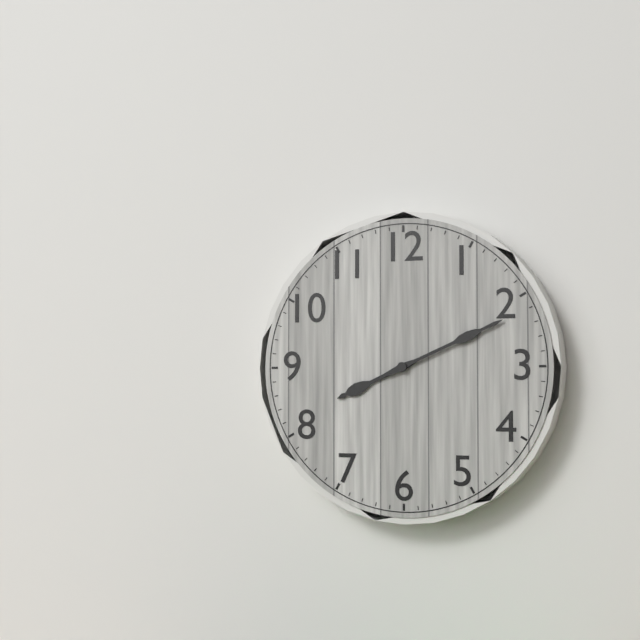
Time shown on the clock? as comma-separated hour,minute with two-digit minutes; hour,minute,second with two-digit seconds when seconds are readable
8,11
